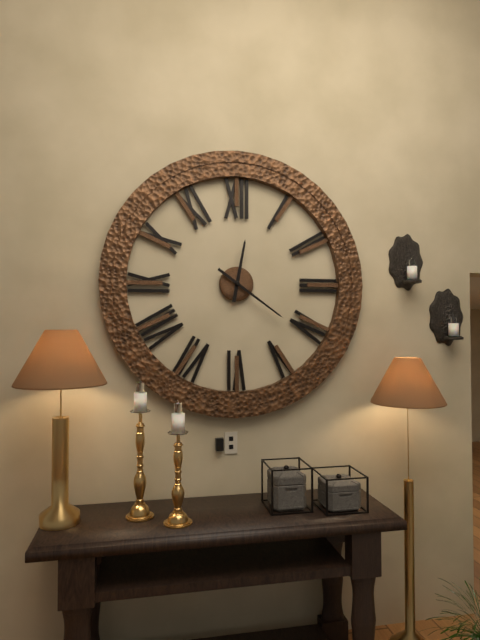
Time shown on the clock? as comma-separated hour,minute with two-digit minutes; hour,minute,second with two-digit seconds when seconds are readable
12,21
